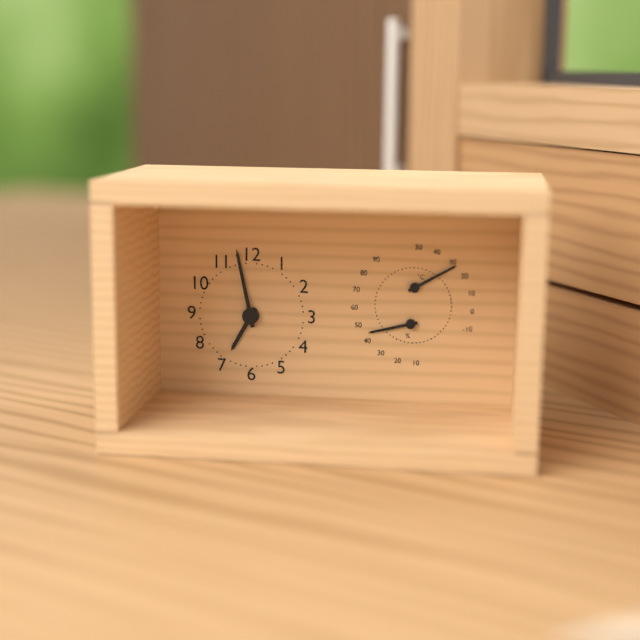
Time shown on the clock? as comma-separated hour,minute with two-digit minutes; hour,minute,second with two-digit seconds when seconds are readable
6,58
